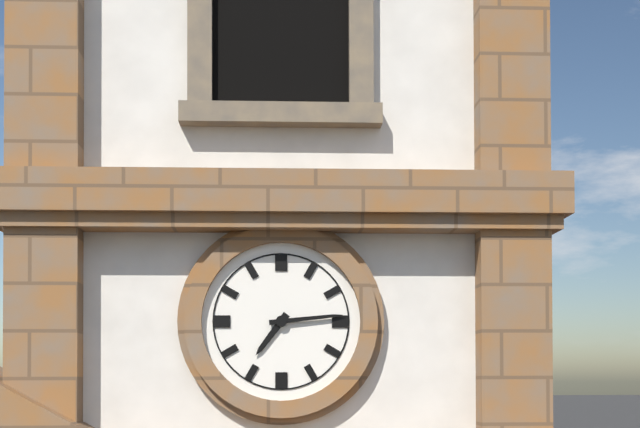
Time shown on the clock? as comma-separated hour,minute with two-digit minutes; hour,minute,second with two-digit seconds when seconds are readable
7,14
